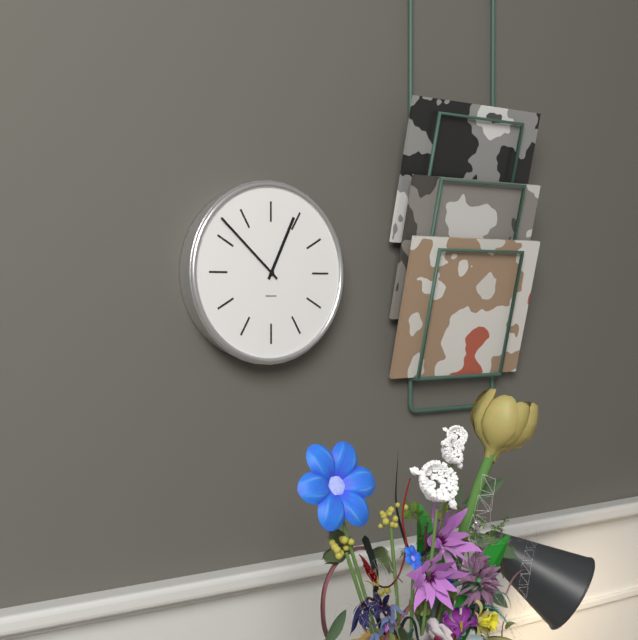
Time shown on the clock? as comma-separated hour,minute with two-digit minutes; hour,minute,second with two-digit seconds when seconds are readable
12,52
